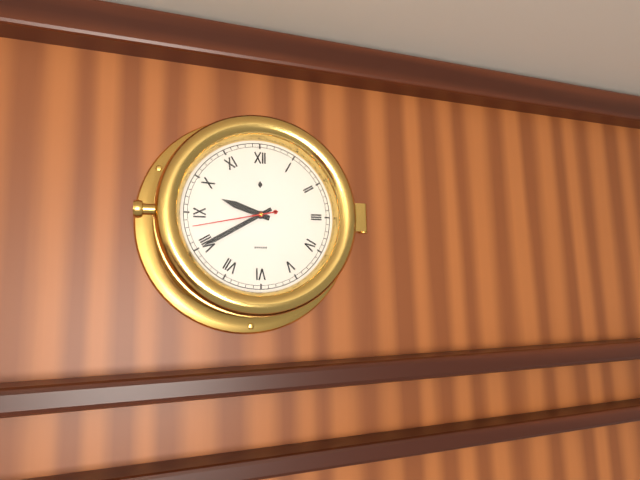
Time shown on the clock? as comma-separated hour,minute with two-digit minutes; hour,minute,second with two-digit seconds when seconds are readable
9,40,43
